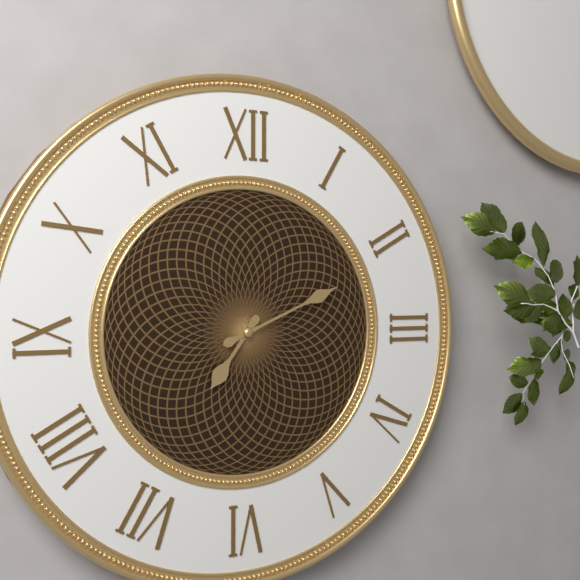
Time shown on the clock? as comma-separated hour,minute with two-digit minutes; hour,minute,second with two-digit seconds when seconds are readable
7,11
